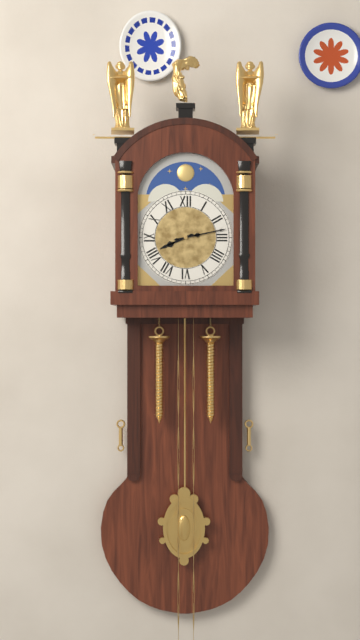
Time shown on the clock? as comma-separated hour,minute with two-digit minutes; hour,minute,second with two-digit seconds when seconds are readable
8,13
